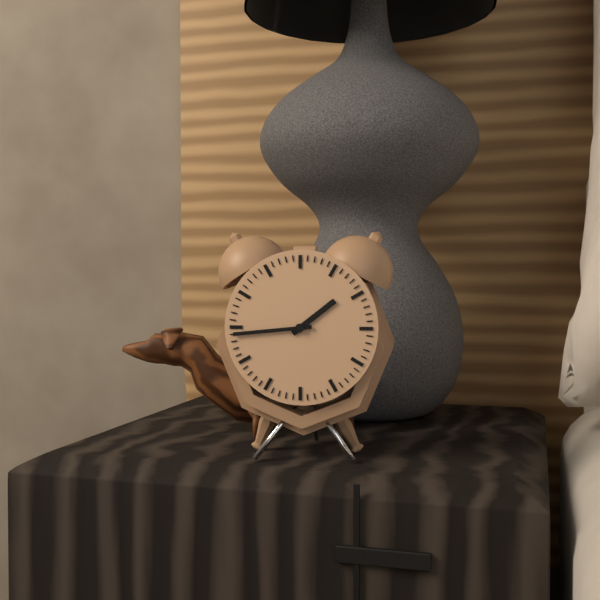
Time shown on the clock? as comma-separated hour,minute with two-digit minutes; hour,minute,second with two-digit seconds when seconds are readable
1,44
